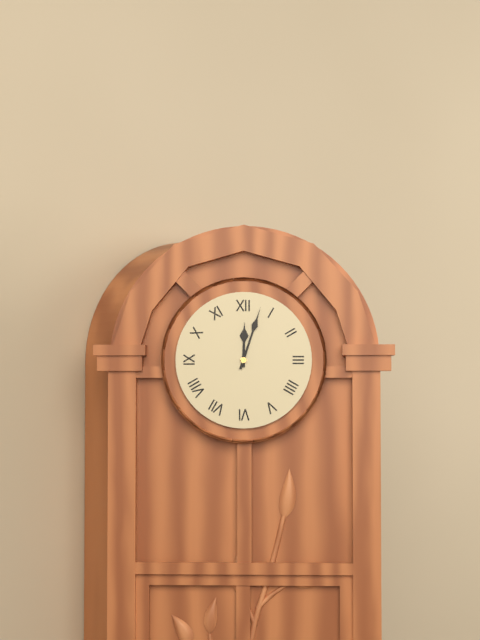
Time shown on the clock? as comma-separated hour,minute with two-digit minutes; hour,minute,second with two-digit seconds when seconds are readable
12,03
